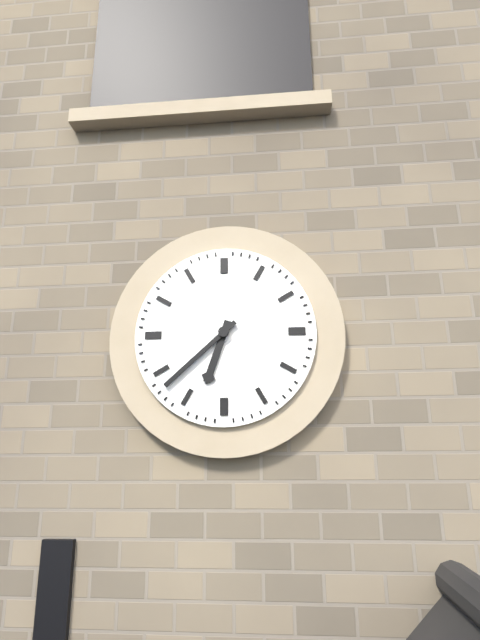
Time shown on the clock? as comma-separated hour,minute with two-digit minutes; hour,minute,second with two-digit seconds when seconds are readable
6,38
